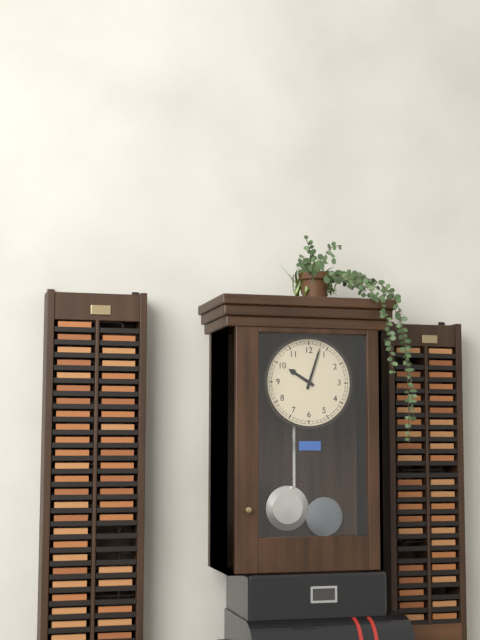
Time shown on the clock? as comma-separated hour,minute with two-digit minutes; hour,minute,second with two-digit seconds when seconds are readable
10,03
